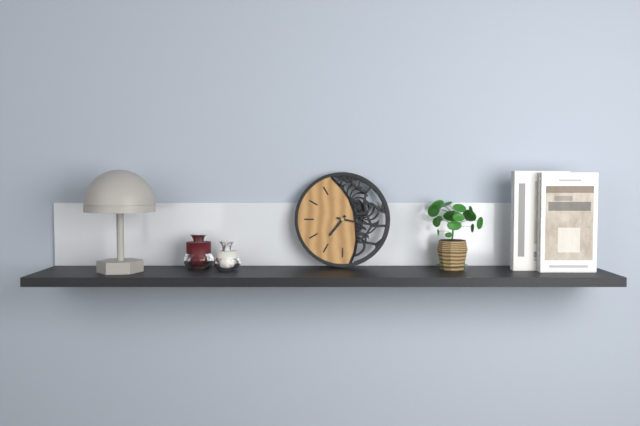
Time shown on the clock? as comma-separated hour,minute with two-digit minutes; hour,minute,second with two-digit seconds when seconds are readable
7,17
